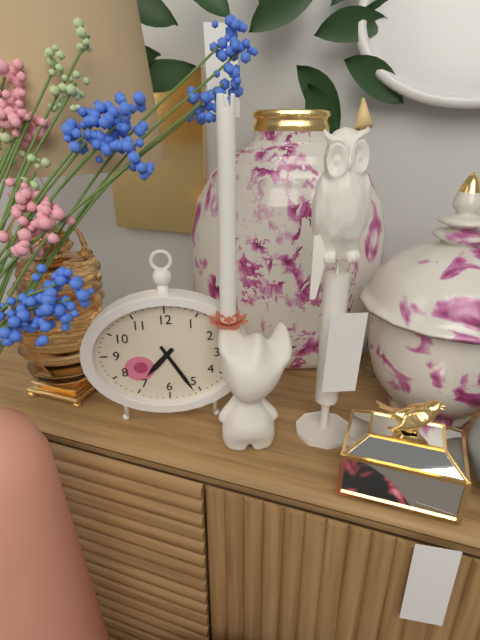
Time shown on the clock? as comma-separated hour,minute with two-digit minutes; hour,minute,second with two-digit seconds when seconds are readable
7,25
